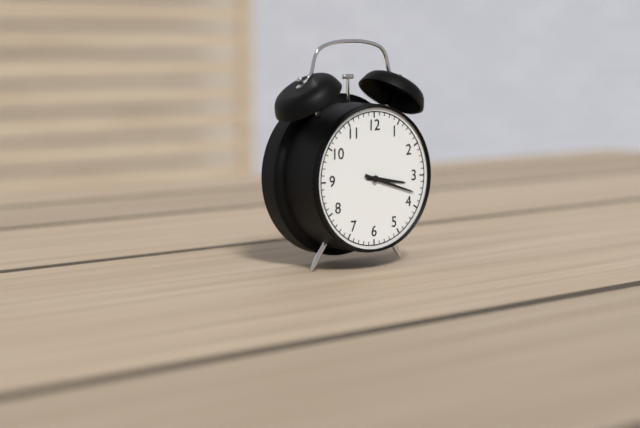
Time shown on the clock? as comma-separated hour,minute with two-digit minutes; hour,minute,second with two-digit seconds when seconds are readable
3,18
